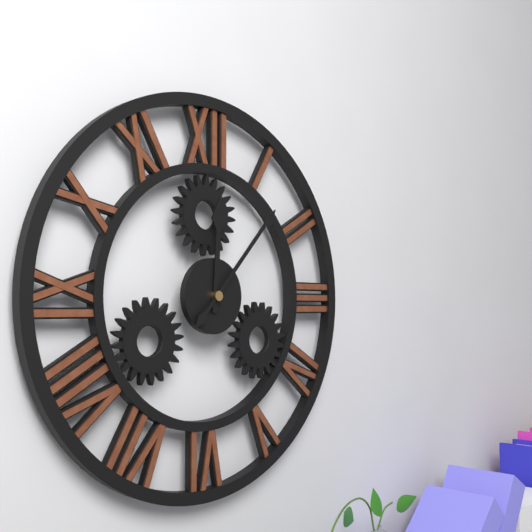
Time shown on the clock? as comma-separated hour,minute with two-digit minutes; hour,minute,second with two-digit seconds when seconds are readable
12,07
